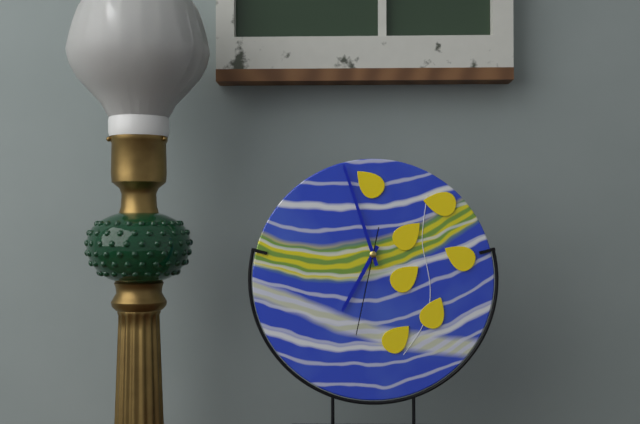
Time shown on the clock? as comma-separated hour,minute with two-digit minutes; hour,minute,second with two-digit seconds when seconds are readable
6,57,32
